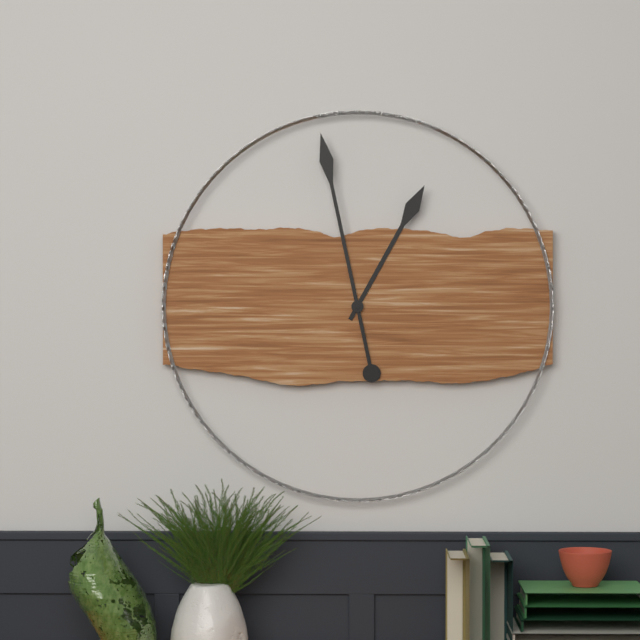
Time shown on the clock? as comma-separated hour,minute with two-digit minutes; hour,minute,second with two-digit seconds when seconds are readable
12,58
